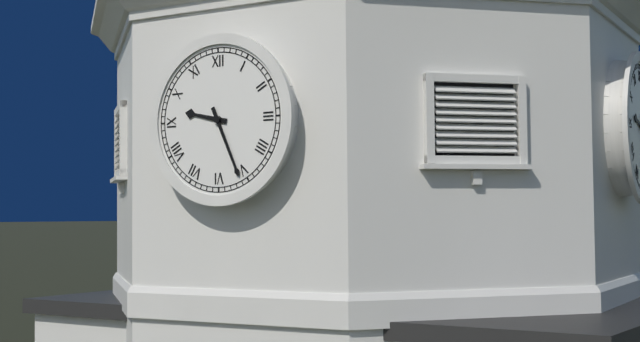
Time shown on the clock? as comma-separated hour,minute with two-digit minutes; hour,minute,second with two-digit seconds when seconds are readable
9,26
